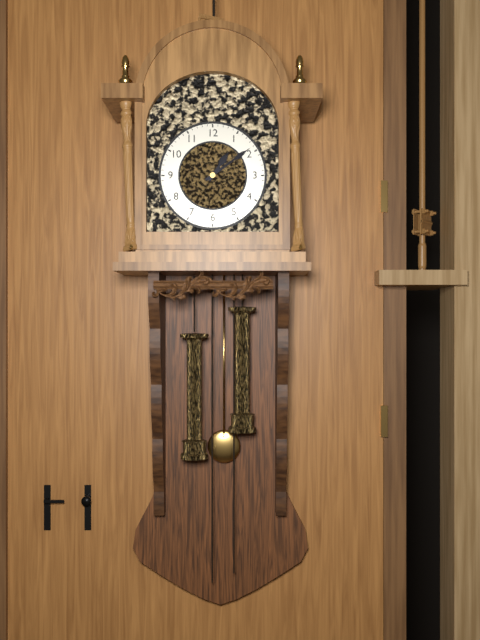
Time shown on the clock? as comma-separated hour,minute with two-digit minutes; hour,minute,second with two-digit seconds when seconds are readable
1,09
